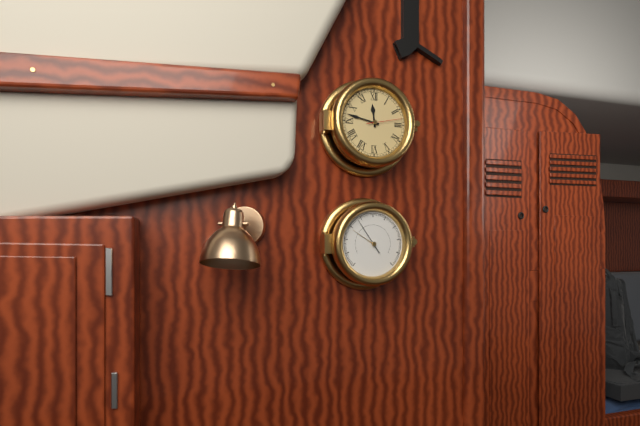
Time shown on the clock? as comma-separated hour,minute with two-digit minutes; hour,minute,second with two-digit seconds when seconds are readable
11,47,13
